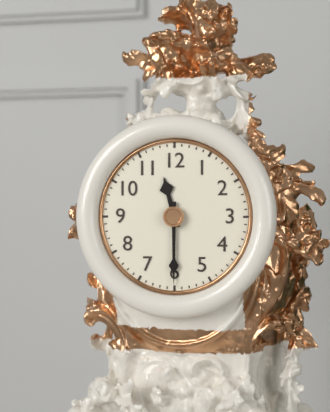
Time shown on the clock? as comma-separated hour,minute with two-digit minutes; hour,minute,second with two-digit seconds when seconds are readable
11,30
